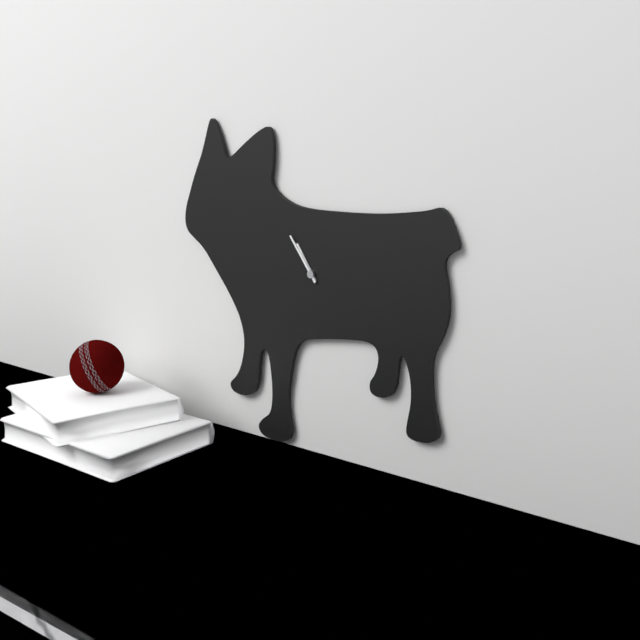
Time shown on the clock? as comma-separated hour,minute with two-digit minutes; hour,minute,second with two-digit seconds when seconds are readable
10,54
